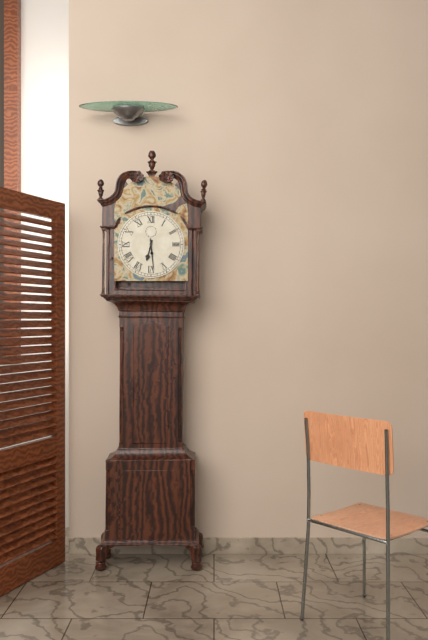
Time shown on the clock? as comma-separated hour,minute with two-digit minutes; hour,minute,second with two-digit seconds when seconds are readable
6,29
